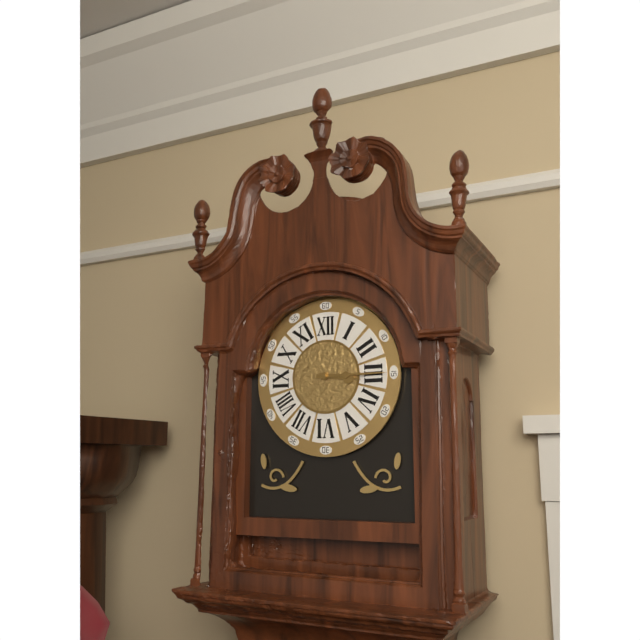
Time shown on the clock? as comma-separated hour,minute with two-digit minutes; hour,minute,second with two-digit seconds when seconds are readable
3,15
